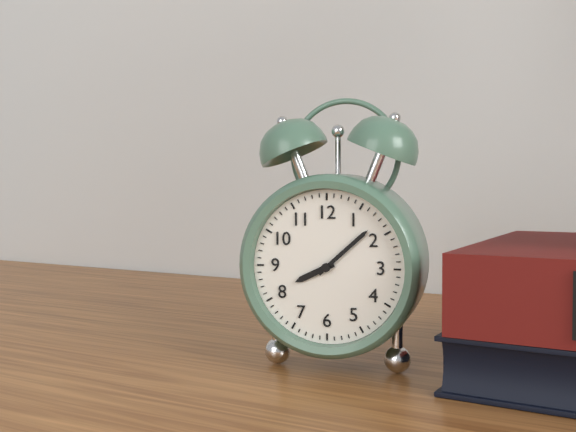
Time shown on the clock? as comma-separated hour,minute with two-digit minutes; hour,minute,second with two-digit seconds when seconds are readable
8,08
